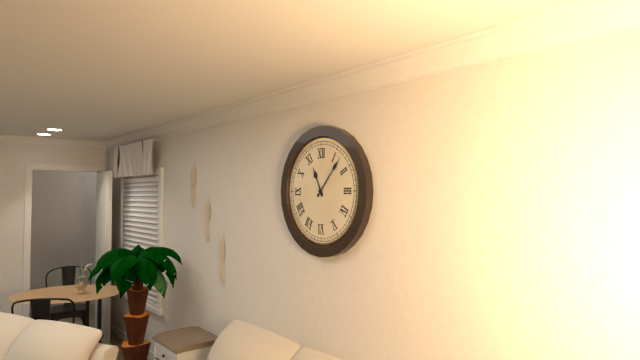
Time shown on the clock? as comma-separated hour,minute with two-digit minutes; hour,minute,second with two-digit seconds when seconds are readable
11,07
